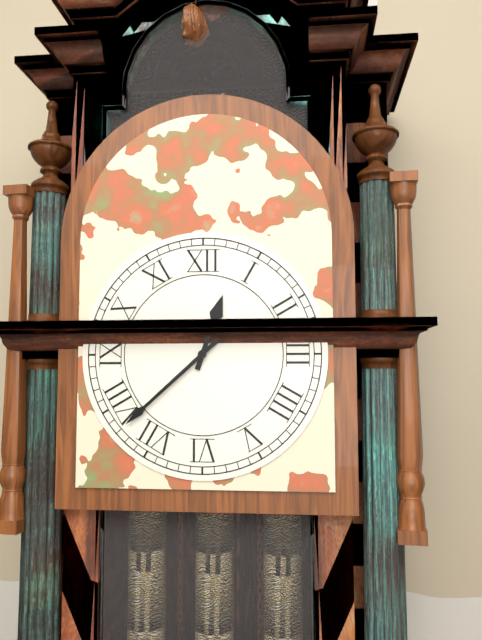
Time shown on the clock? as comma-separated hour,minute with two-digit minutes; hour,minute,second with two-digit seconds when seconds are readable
12,38
